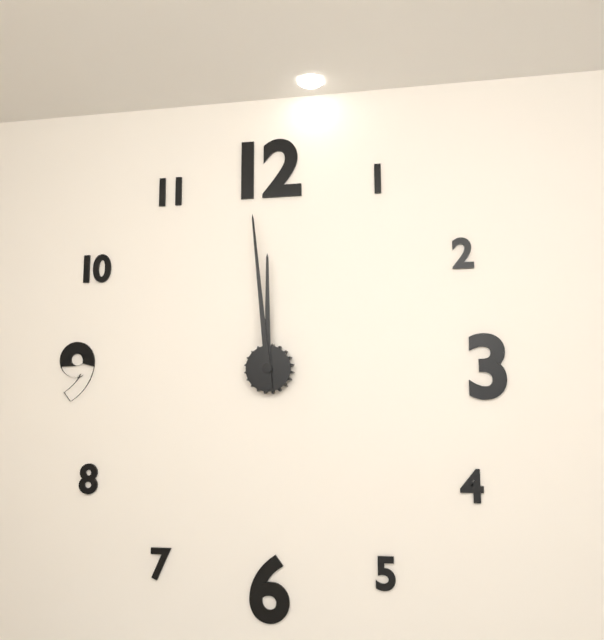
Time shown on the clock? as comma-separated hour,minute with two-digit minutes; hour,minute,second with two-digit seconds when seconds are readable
11,59
